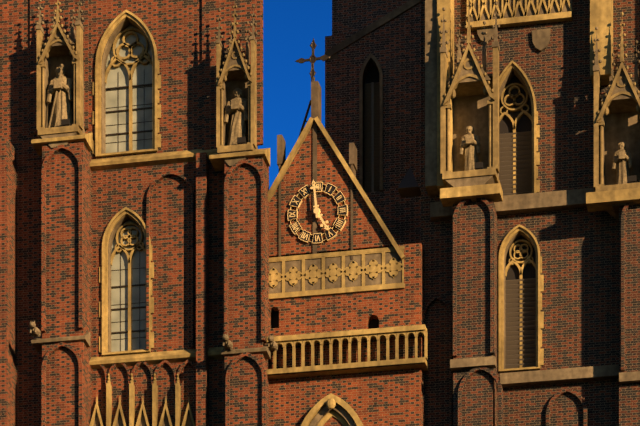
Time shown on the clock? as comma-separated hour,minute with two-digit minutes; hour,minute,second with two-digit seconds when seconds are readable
4,59
